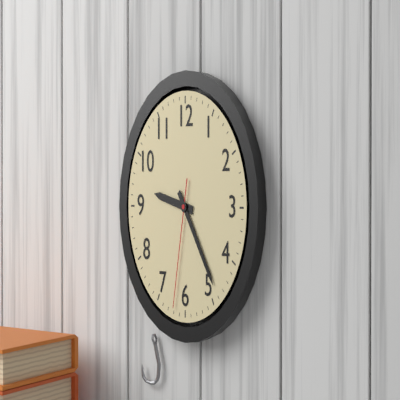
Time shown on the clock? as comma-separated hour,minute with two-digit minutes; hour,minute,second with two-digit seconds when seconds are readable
9,24,32
